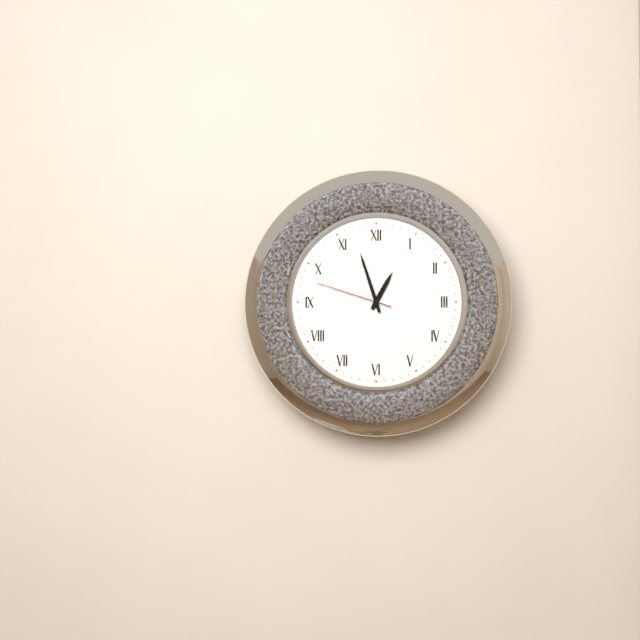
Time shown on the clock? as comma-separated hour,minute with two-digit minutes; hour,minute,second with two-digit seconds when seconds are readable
12,57,48
